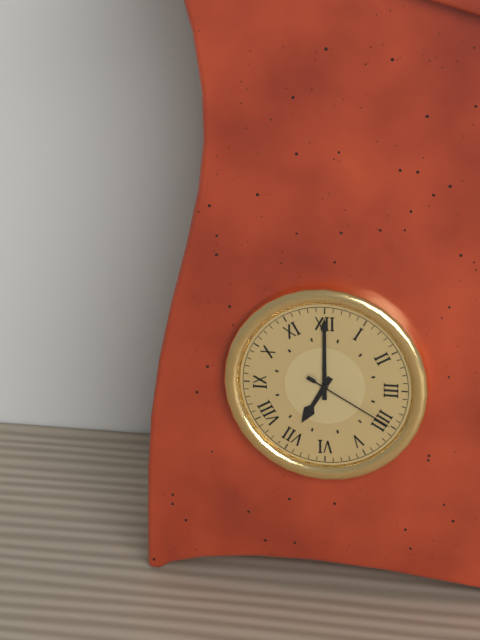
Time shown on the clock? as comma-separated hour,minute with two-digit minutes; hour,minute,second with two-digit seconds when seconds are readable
7,00,20
